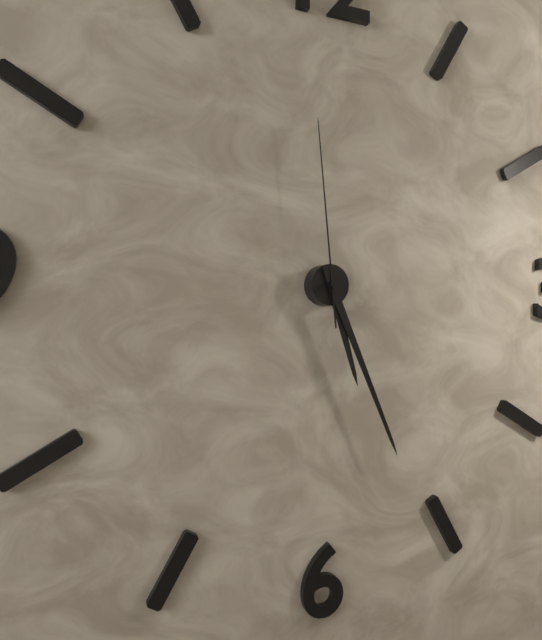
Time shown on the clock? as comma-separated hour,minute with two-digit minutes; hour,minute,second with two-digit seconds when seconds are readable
5,26,59
